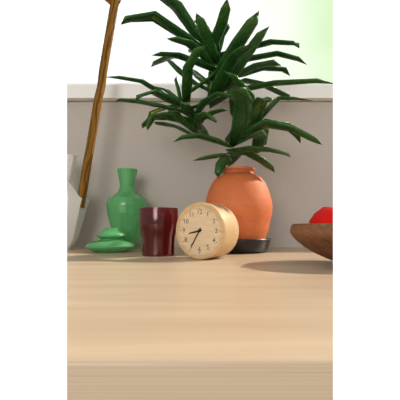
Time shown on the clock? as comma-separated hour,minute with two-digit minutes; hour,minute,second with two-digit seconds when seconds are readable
8,35
